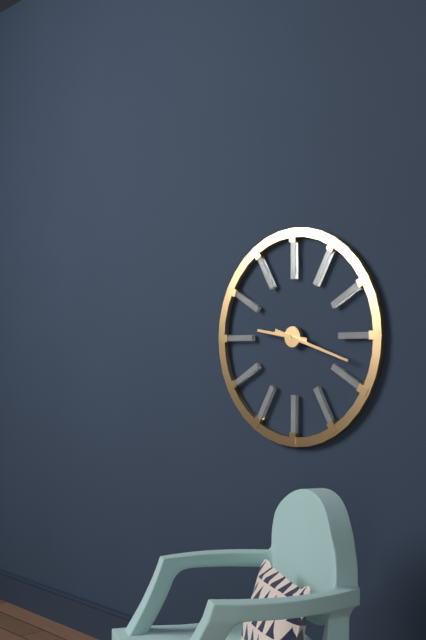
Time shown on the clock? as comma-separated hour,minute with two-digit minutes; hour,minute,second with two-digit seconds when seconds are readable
9,18
